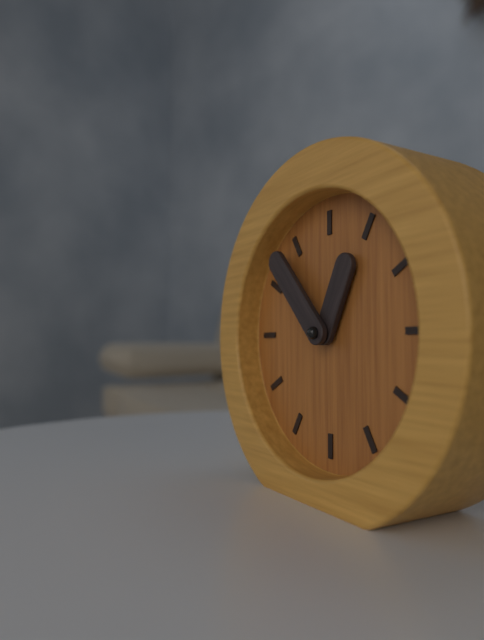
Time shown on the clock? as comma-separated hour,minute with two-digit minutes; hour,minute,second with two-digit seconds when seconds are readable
12,53
